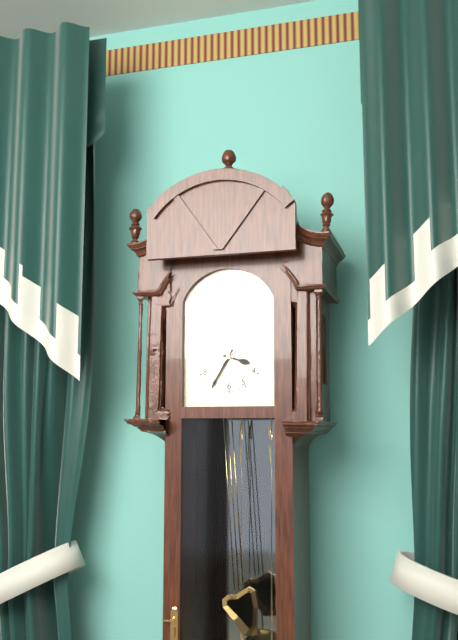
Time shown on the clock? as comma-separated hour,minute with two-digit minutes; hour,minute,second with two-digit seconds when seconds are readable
3,35
